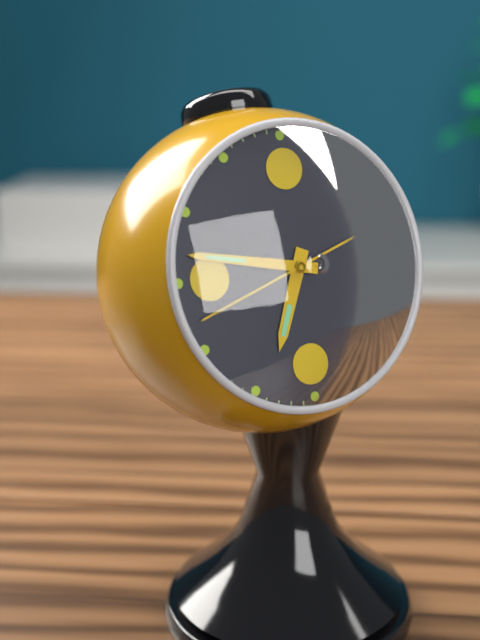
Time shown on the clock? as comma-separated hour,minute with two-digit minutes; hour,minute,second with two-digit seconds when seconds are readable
6,47,42
